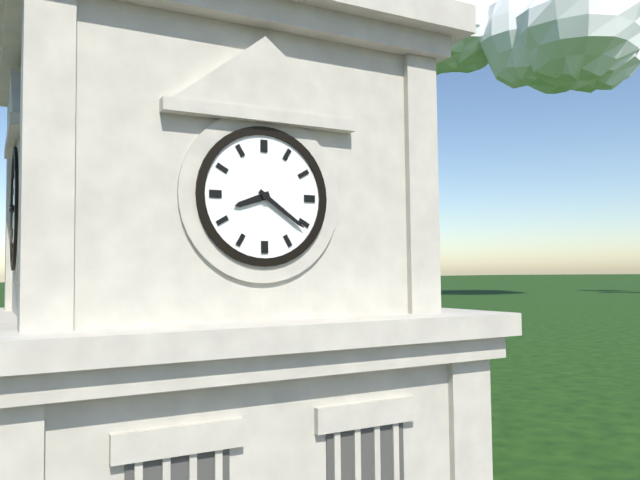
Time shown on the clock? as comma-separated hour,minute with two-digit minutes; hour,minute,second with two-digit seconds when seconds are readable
8,21
